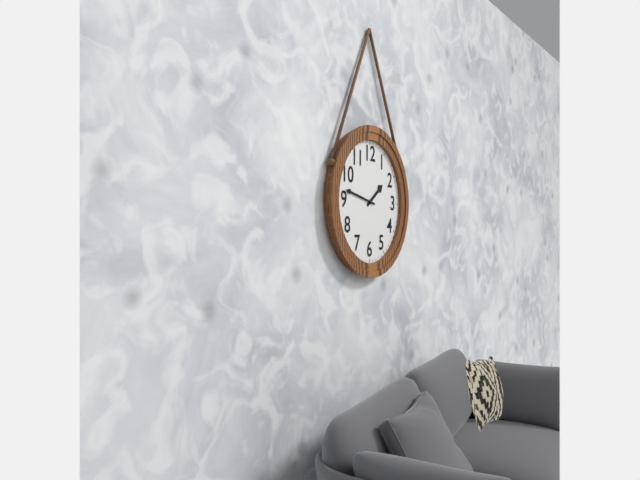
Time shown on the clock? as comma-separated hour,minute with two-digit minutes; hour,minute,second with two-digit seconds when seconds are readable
1,47
